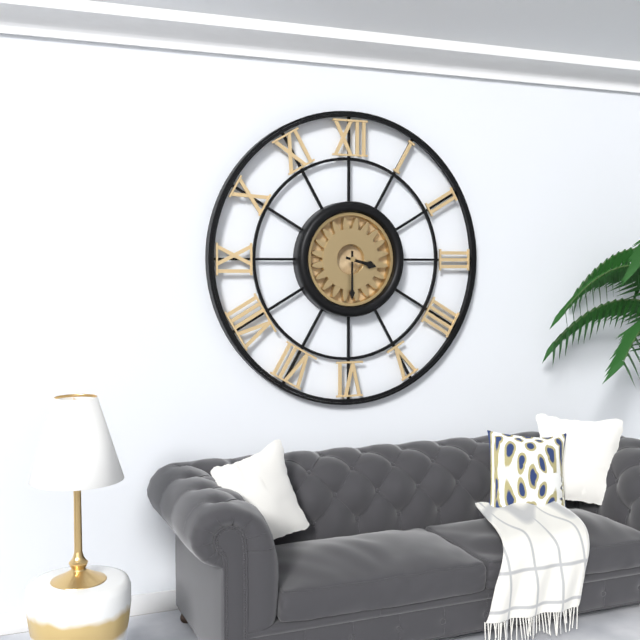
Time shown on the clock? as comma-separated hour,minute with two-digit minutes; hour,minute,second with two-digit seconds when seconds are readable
3,30
